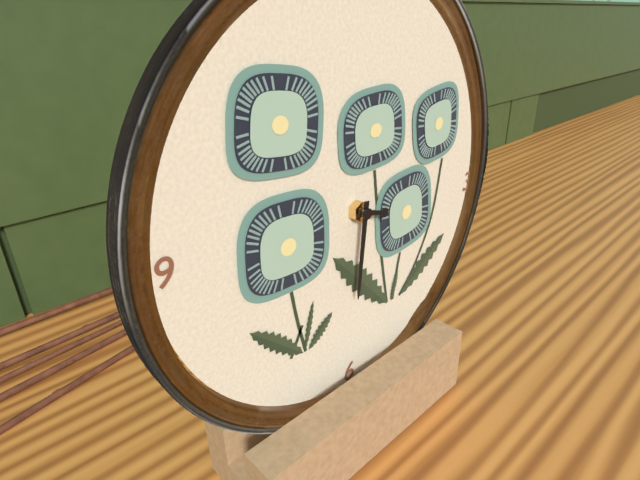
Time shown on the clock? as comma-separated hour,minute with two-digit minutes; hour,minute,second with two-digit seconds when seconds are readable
3,31
